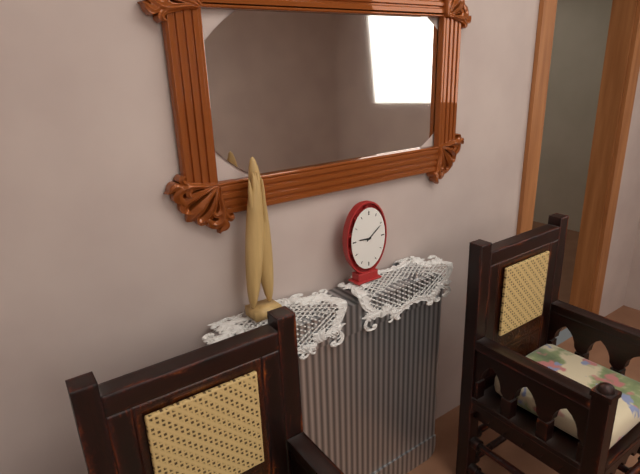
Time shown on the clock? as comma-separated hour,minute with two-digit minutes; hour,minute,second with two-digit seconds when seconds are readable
9,09
